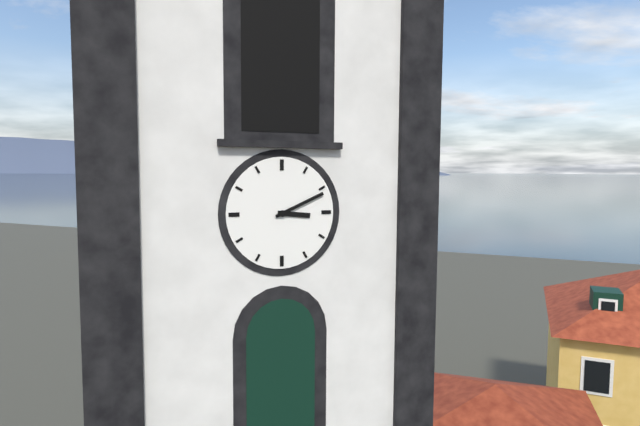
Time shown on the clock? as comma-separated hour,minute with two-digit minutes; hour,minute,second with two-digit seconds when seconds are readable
3,11
